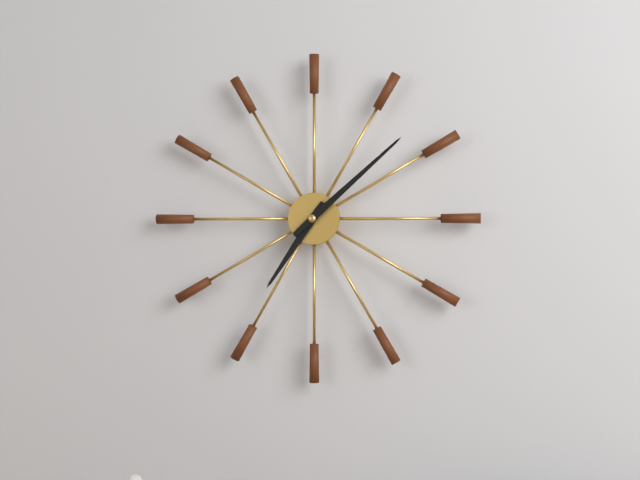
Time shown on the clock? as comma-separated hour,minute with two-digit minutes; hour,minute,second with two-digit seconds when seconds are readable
7,08
